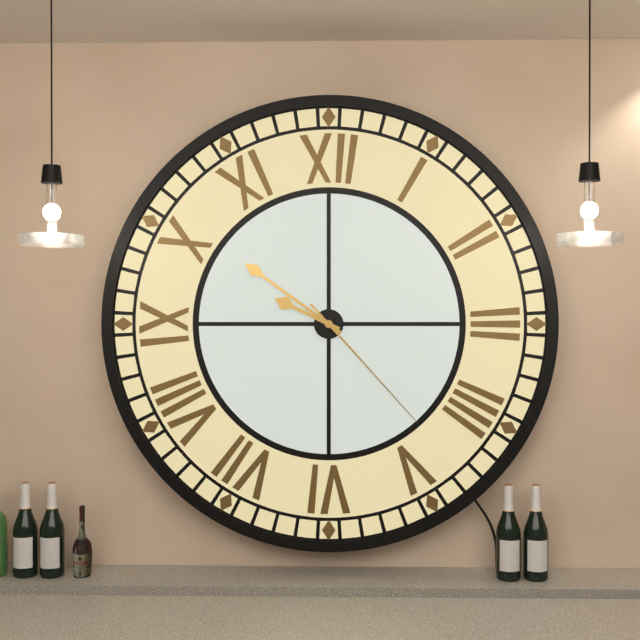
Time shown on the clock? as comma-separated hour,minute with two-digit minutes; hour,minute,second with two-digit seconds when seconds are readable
9,51,23
